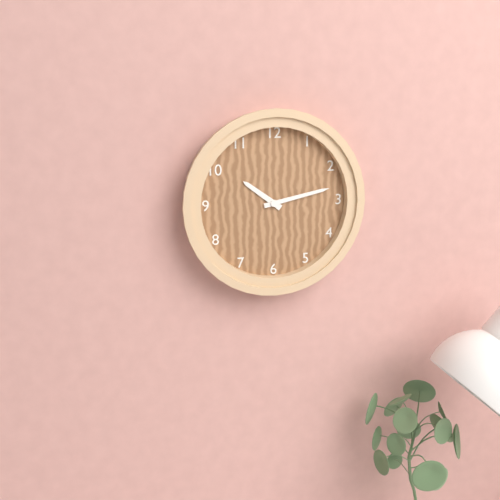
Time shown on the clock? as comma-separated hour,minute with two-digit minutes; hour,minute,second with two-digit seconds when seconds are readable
10,13
